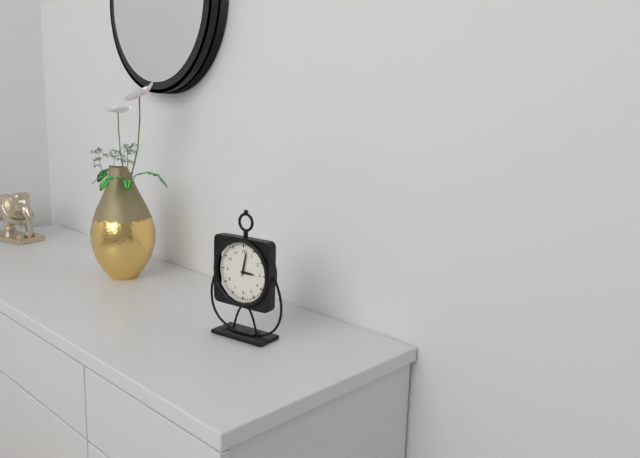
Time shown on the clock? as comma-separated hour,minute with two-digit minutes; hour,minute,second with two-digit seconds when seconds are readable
3,02
